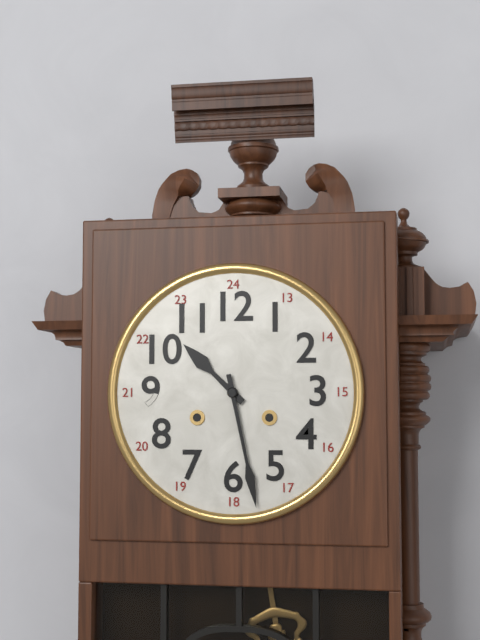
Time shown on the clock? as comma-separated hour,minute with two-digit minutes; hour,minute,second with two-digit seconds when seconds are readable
10,28
